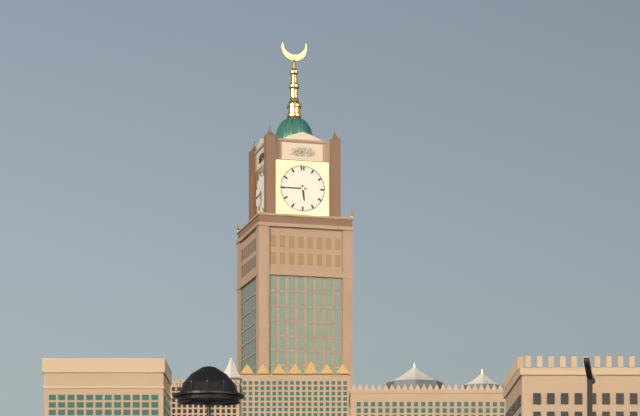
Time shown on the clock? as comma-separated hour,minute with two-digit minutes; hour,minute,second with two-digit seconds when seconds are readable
5,45
